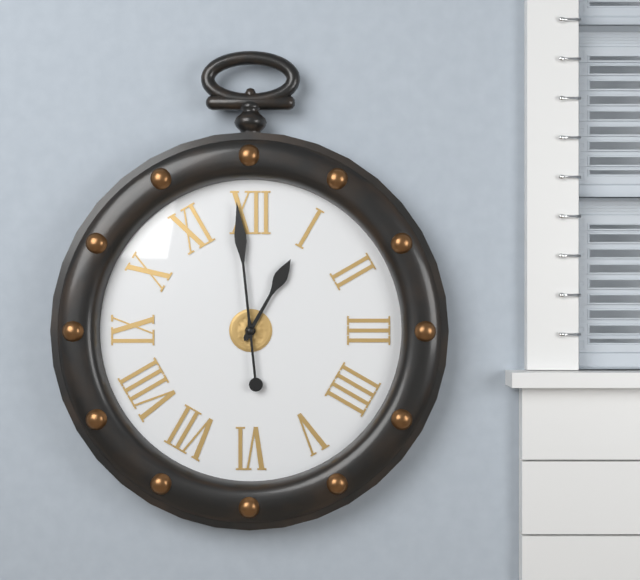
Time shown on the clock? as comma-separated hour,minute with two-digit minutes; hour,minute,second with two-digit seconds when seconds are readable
12,59
